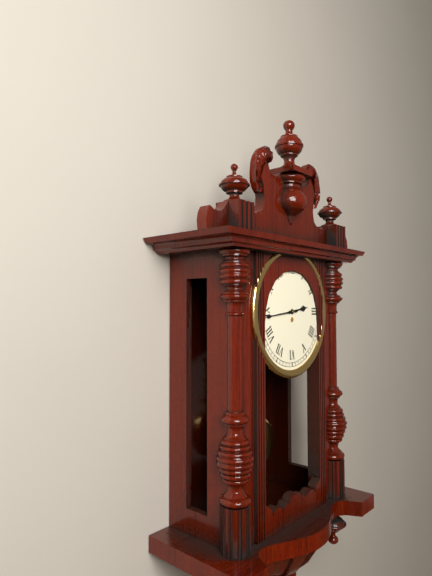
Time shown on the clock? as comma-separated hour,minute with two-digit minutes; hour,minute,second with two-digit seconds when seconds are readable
2,44
